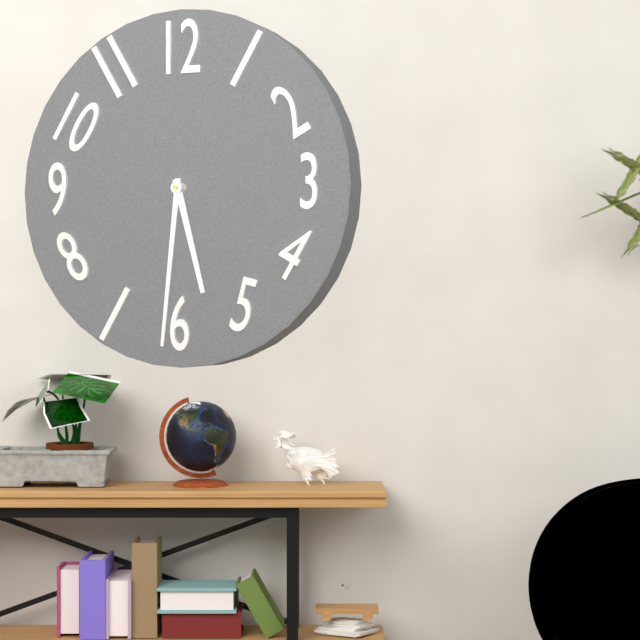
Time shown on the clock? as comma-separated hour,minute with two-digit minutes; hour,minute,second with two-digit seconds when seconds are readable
5,31
